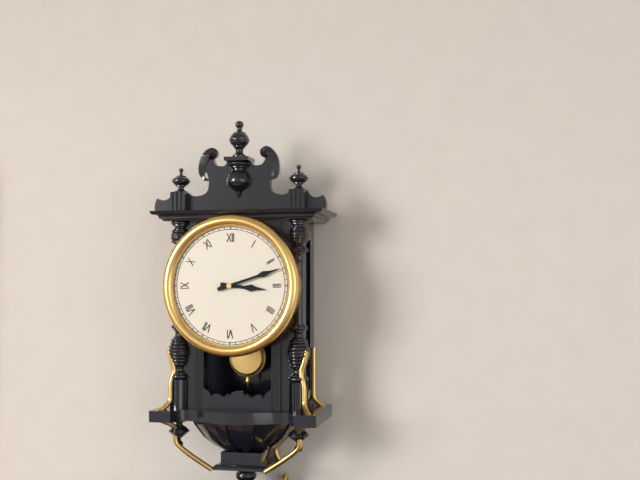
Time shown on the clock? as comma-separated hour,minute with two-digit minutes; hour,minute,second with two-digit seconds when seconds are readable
3,12
